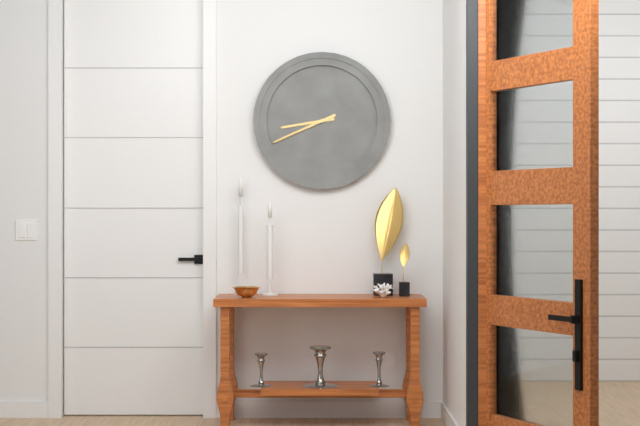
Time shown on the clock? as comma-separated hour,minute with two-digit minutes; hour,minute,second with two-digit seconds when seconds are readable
8,41
